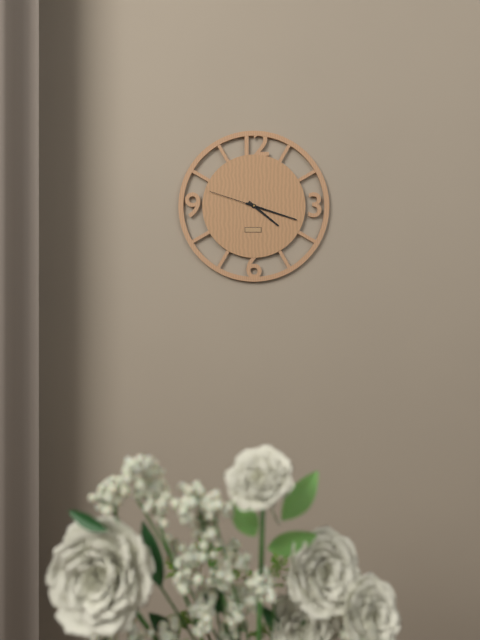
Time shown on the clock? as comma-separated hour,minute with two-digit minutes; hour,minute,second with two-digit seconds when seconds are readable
4,18,48
